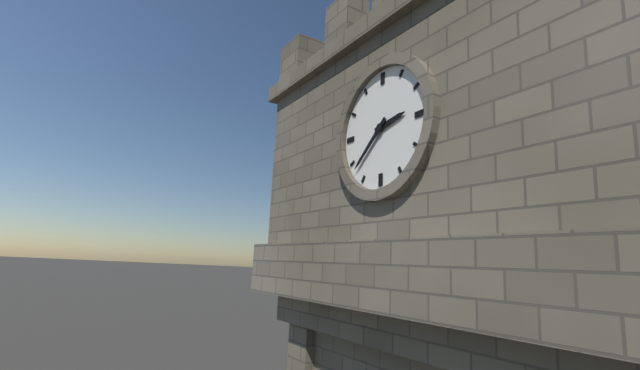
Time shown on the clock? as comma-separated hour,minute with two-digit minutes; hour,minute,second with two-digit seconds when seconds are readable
2,38
